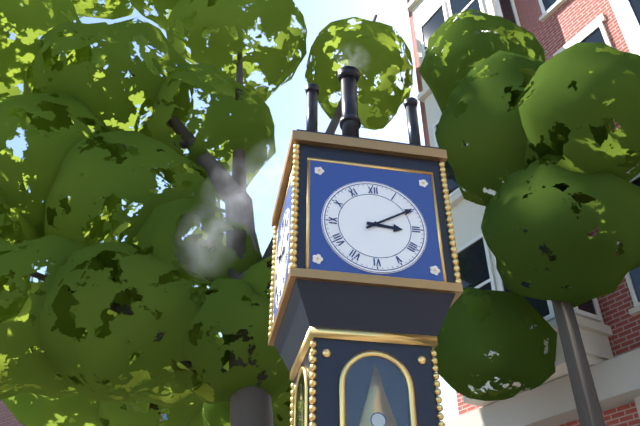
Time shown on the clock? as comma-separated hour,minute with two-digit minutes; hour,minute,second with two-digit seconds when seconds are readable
3,10
